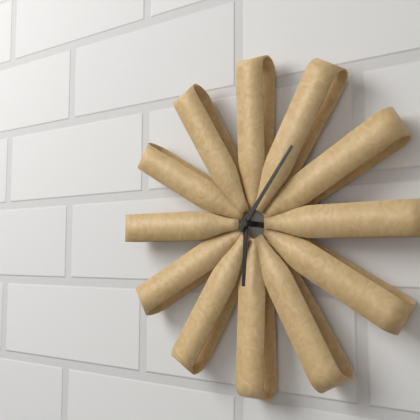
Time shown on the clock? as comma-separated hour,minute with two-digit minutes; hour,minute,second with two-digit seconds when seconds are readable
6,06
